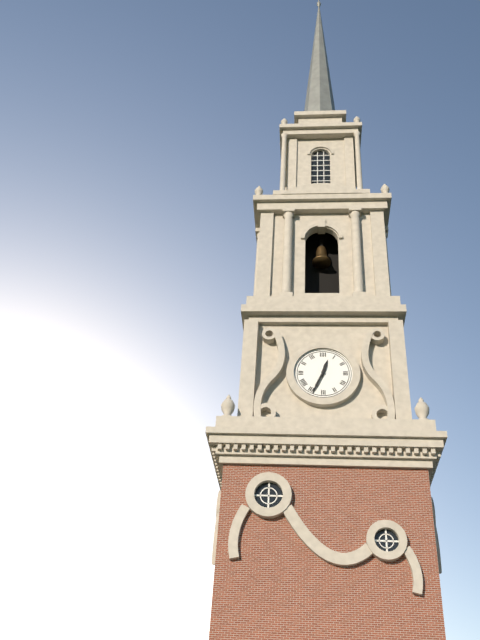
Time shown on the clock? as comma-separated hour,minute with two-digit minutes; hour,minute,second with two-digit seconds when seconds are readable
12,34
